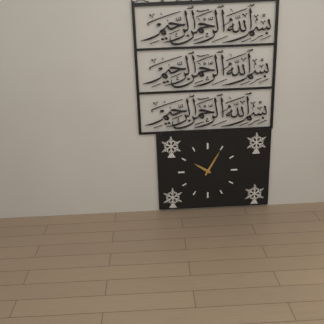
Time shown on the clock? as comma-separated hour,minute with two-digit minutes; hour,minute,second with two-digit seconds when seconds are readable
10,05
